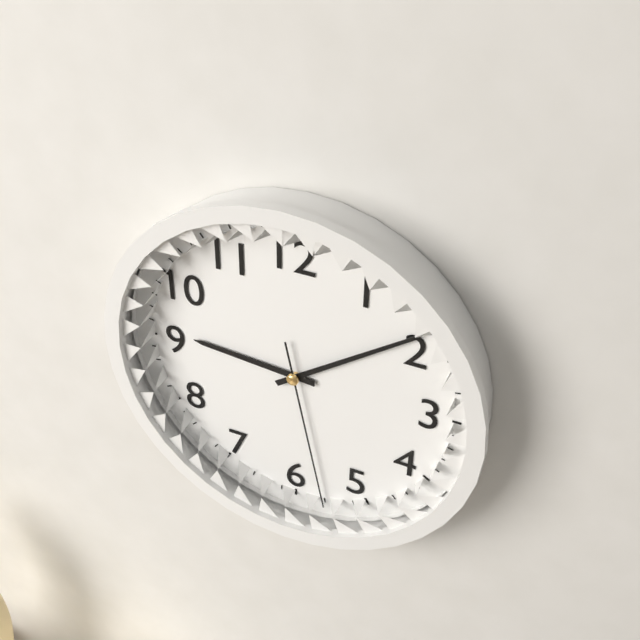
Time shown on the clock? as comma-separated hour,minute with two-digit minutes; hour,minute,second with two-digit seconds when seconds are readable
9,09,28
